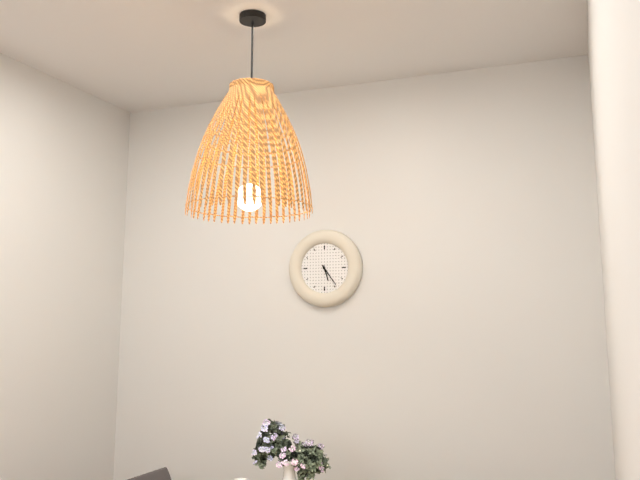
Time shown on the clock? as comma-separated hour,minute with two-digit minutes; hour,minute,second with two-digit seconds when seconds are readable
5,24
